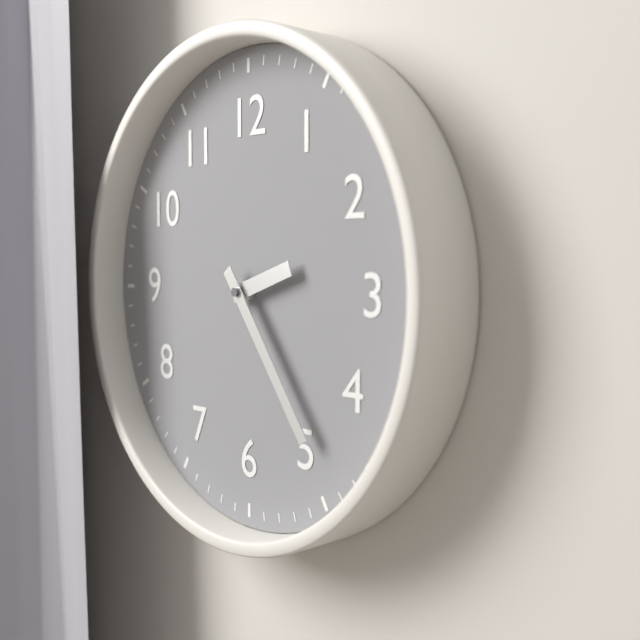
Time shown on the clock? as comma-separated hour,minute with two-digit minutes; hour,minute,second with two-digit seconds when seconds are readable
2,24
